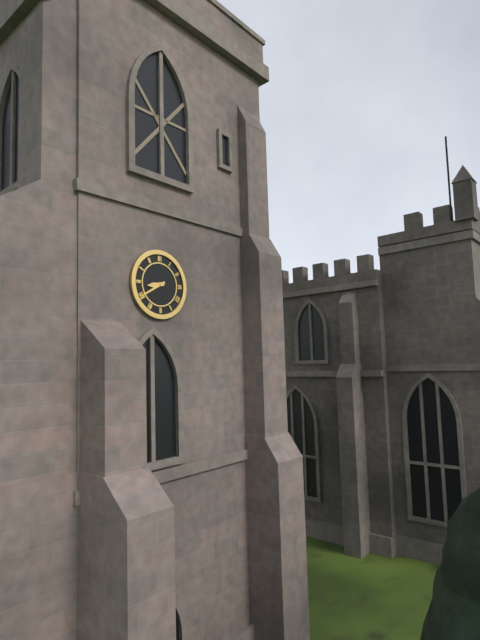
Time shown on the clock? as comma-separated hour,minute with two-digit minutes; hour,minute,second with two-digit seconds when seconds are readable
8,40
